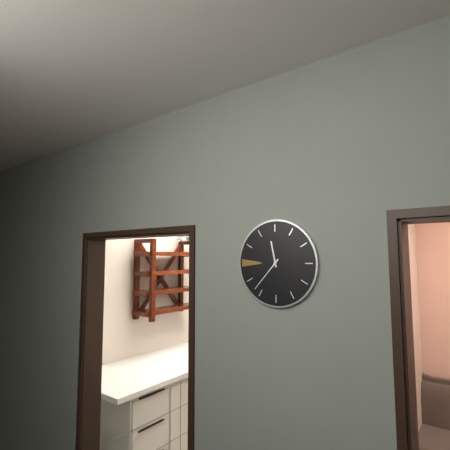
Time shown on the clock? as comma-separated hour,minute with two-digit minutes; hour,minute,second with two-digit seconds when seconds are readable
11,37
